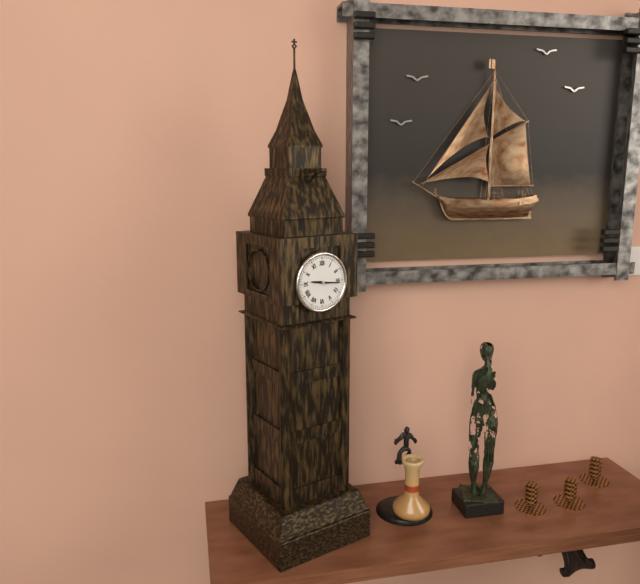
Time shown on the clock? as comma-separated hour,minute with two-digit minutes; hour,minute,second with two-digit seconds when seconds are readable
9,16
